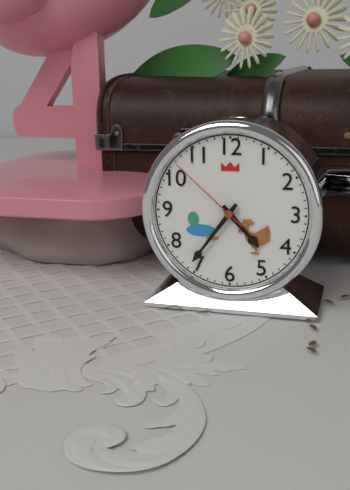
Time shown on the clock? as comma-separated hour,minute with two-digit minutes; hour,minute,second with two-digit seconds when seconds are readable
4,36,52
